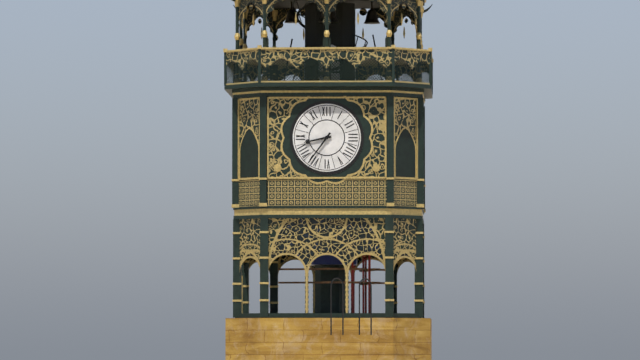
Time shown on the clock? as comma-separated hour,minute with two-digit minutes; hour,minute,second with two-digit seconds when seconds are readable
8,36
